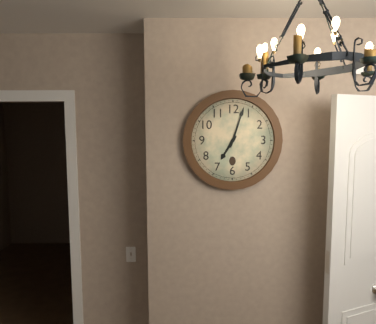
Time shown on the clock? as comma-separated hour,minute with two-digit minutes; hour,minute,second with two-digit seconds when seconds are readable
7,03
